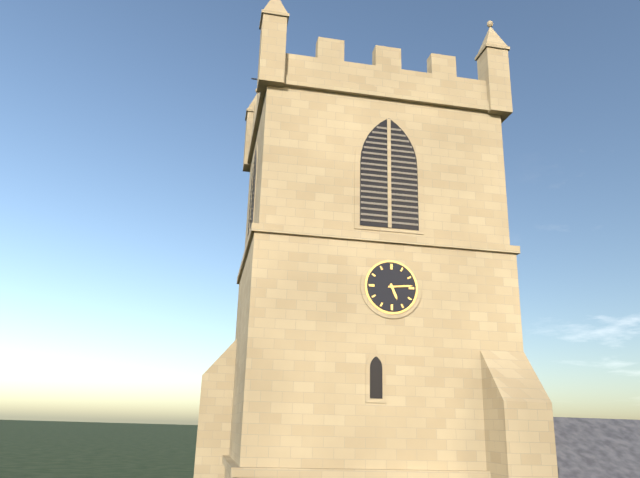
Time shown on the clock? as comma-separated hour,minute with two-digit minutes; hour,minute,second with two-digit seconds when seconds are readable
5,14
